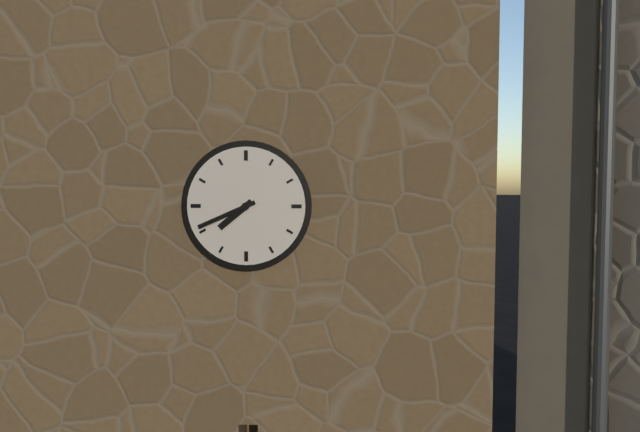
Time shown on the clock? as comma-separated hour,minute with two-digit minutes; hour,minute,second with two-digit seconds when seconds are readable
7,41
